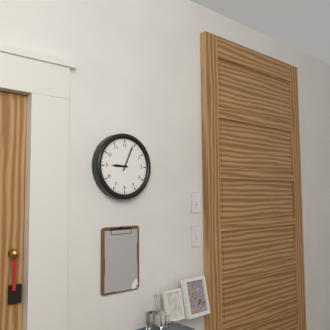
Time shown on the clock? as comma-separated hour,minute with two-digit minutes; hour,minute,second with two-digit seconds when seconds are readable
9,04
